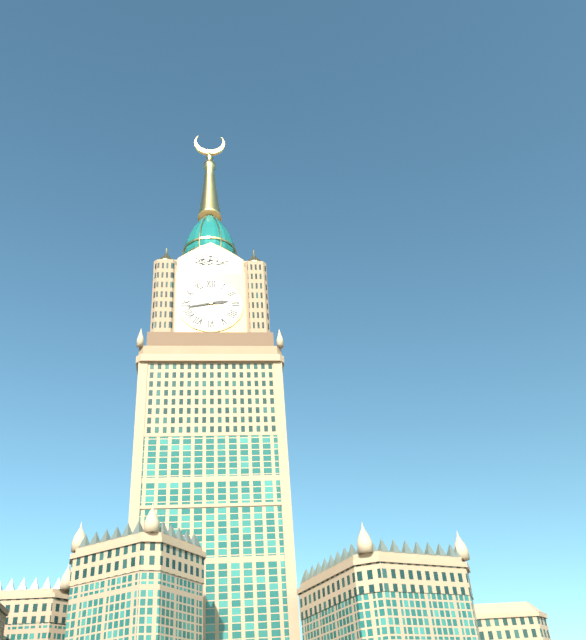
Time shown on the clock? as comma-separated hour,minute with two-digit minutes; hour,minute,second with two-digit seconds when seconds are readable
2,43
